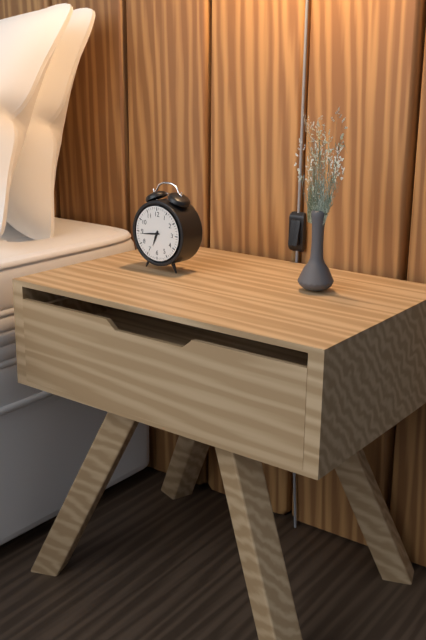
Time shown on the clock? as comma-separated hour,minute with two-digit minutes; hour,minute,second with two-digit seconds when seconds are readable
6,44
